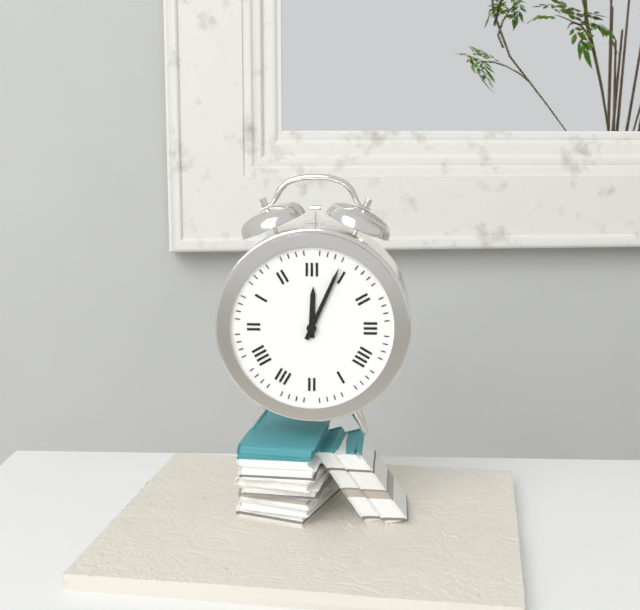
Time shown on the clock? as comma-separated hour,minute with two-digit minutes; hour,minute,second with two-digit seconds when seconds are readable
12,04
